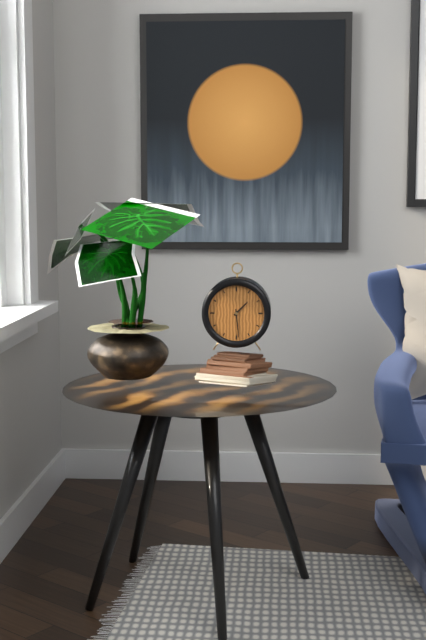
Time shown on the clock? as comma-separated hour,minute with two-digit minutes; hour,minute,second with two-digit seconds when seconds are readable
1,29
